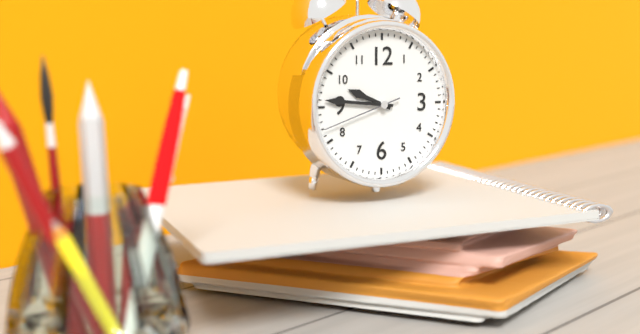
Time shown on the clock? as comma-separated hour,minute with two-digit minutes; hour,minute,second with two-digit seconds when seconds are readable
9,46,42
